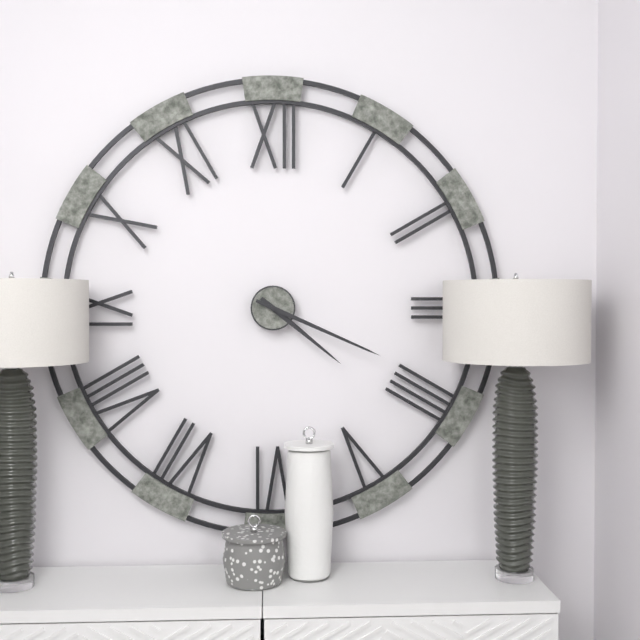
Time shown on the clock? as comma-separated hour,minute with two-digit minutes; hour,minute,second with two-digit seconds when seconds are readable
4,19
